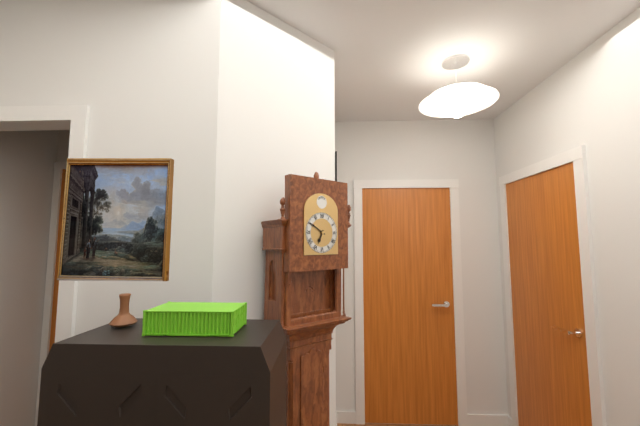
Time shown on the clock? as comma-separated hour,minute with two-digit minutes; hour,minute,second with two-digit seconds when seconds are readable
6,50
